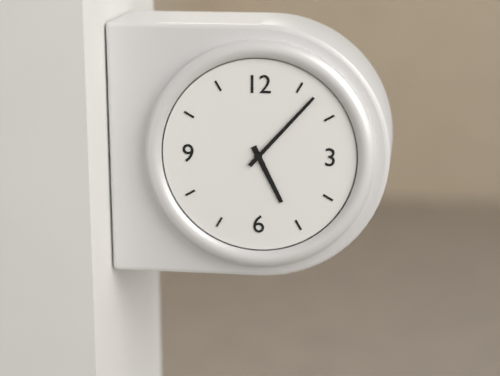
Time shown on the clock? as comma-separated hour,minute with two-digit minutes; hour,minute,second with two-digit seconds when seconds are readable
5,07
